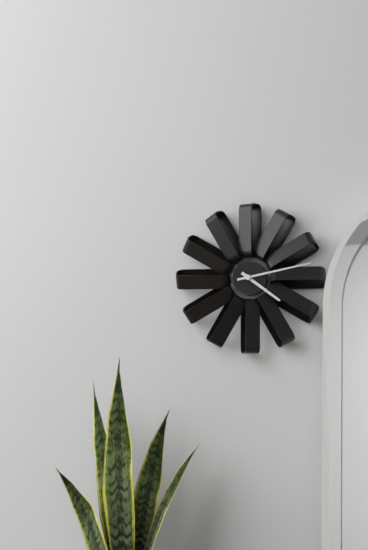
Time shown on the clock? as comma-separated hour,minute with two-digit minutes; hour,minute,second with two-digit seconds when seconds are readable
4,13
